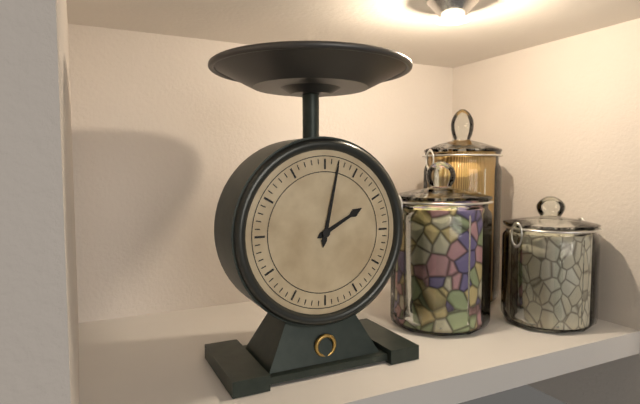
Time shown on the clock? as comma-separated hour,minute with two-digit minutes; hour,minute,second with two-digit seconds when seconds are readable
2,02
